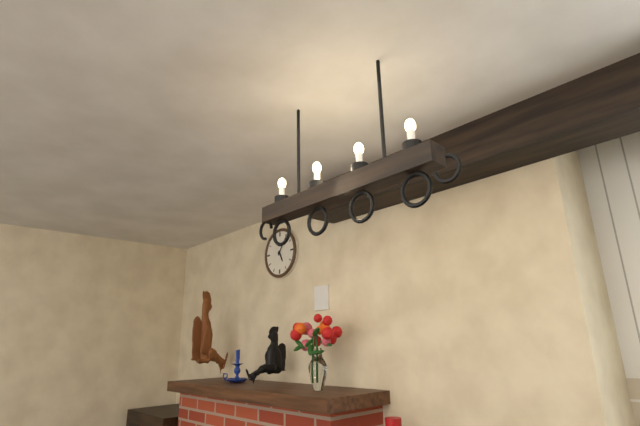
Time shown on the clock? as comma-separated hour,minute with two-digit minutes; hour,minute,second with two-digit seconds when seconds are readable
5,06
